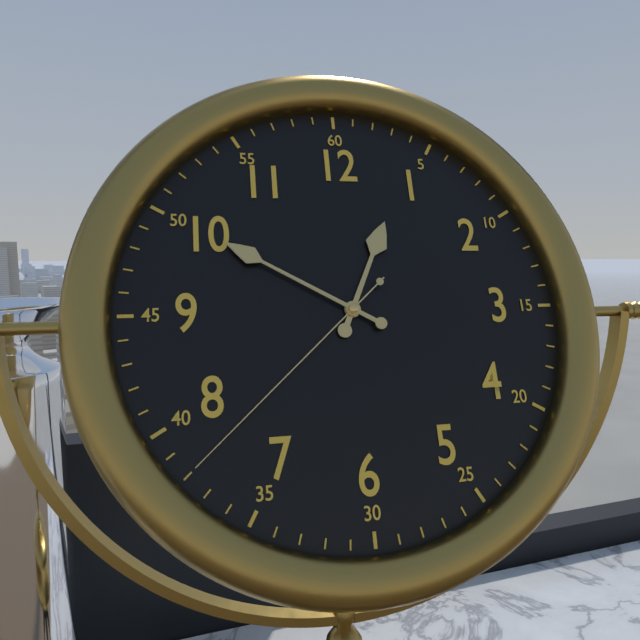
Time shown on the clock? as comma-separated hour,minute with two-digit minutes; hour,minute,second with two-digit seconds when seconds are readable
12,50,38
